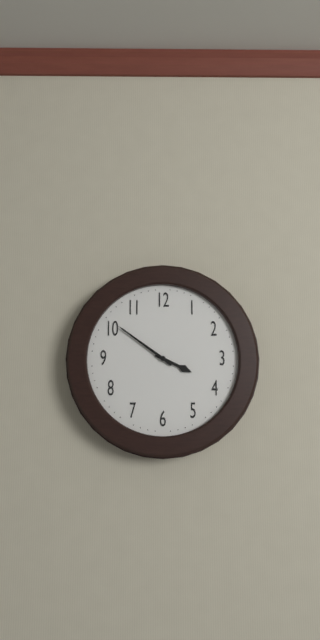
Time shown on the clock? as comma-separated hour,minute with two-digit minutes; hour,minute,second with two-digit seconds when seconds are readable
3,51
